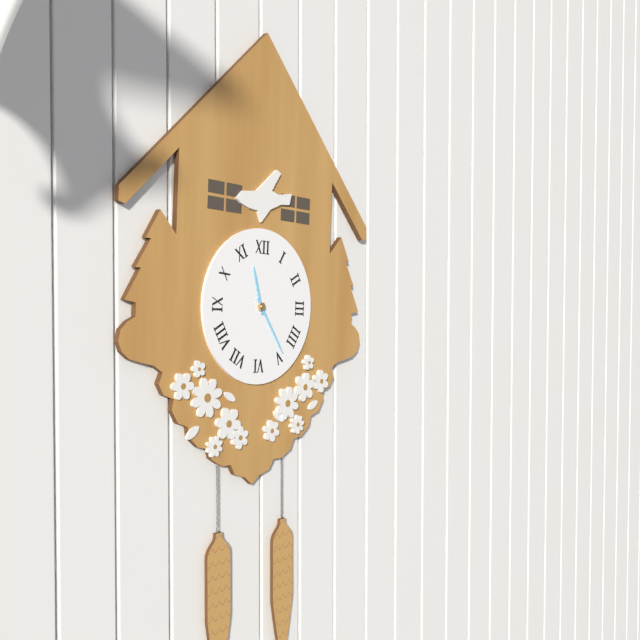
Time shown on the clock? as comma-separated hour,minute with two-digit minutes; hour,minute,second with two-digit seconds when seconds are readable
11,24
